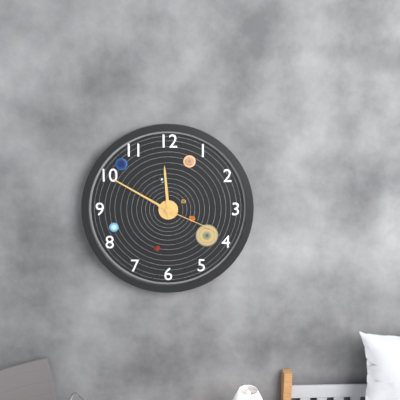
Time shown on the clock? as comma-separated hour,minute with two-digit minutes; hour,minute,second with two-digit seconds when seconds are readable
11,50,19
